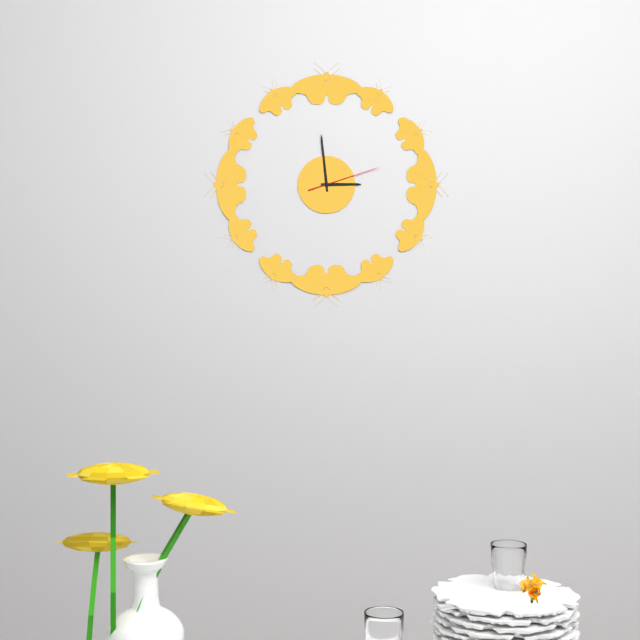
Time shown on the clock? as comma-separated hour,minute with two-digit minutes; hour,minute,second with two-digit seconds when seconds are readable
2,59,12
